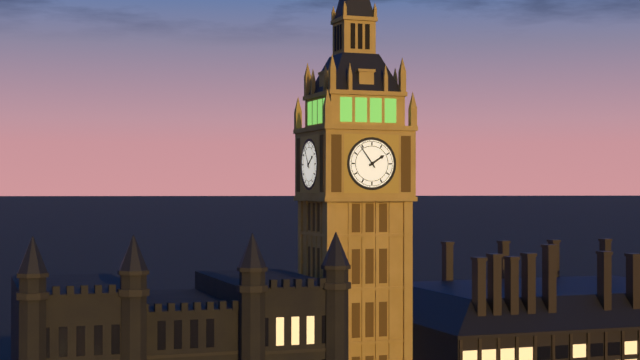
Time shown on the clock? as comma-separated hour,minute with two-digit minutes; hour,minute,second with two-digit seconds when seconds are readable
1,54
